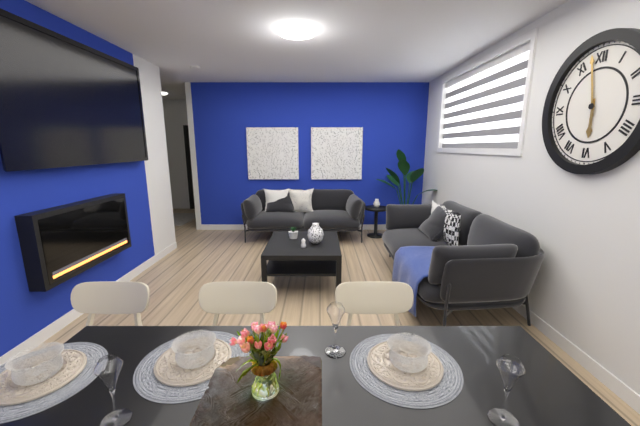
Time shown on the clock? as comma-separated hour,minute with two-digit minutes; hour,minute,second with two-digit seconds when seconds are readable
5,58
